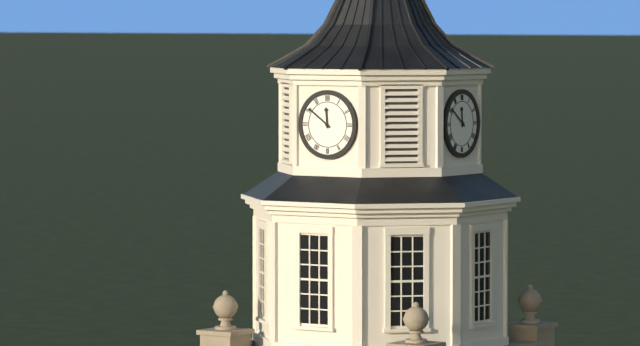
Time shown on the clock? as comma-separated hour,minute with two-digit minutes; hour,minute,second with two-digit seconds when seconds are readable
11,51
